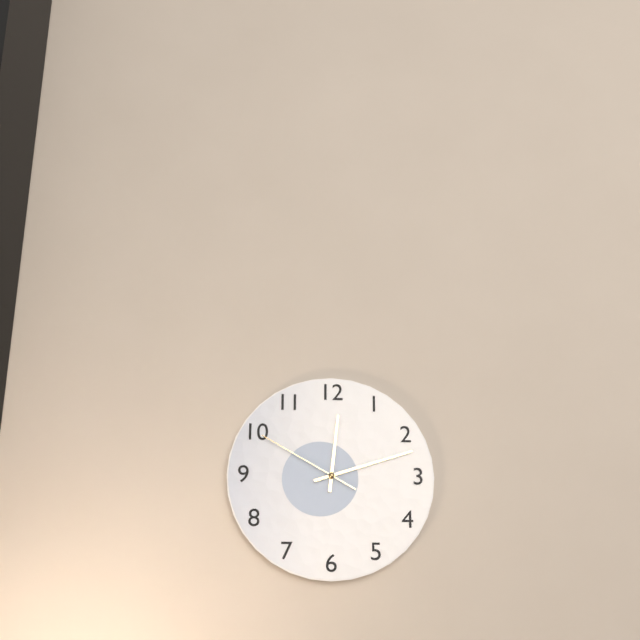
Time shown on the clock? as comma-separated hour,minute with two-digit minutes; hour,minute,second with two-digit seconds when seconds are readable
12,12,50
